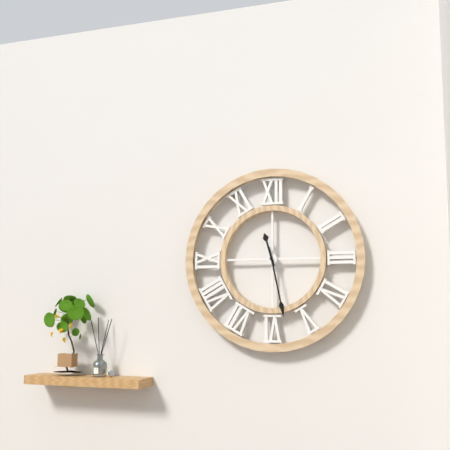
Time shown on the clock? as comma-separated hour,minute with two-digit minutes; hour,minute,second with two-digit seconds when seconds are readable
11,28
